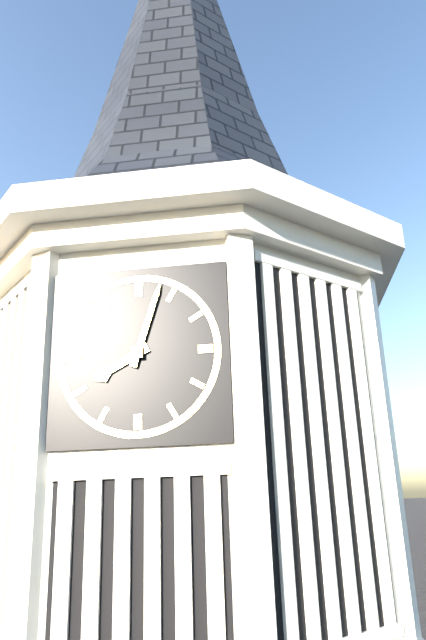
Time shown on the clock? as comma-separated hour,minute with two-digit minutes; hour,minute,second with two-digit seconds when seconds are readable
8,03
